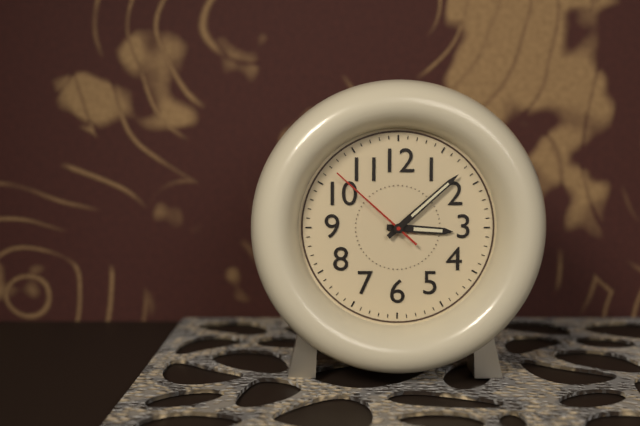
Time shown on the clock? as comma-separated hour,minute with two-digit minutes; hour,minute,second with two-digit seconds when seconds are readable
3,08,52
